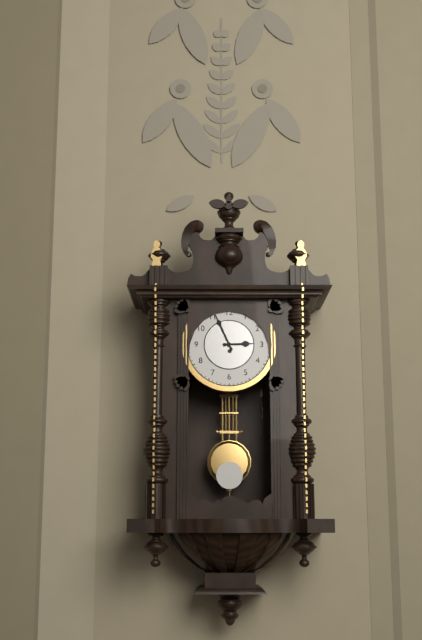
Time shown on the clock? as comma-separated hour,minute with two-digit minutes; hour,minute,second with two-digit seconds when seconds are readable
2,56
